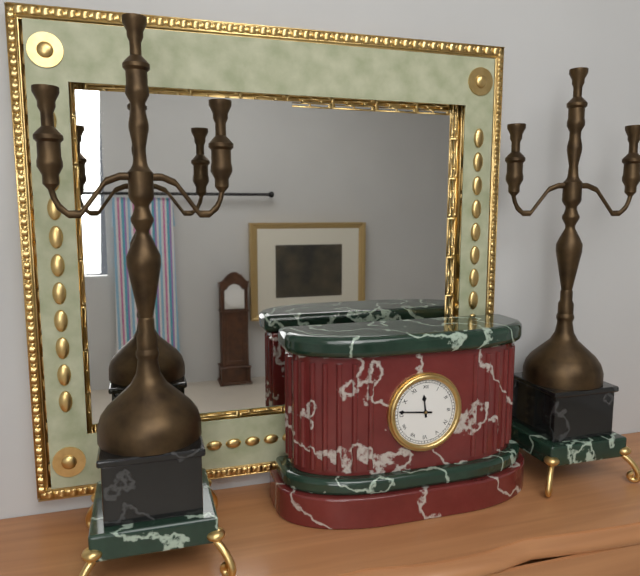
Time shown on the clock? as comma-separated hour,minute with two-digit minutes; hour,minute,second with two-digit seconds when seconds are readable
11,46
